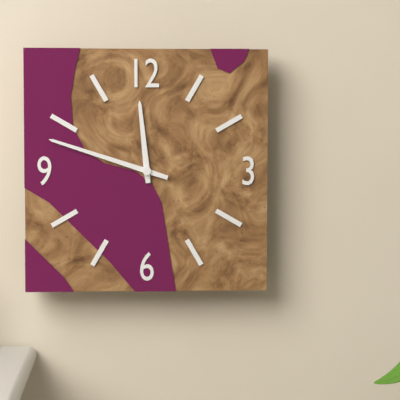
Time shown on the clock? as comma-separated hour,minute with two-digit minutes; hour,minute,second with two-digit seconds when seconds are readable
11,48
